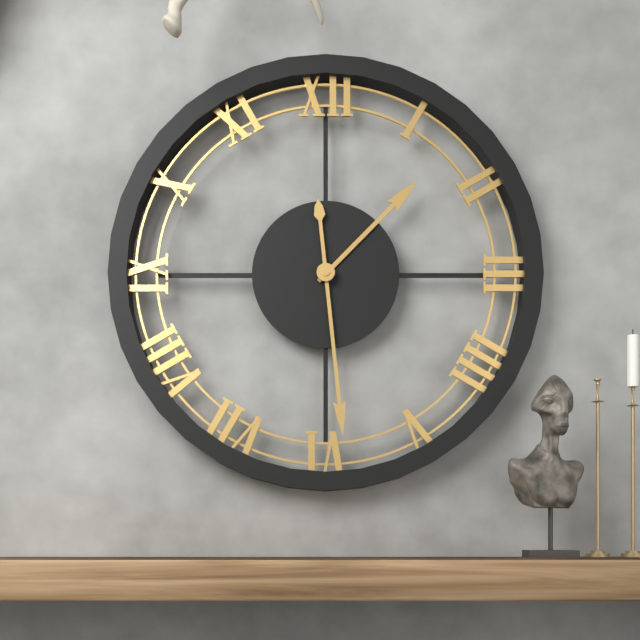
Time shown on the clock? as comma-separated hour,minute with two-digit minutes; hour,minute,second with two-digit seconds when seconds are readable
1,29
